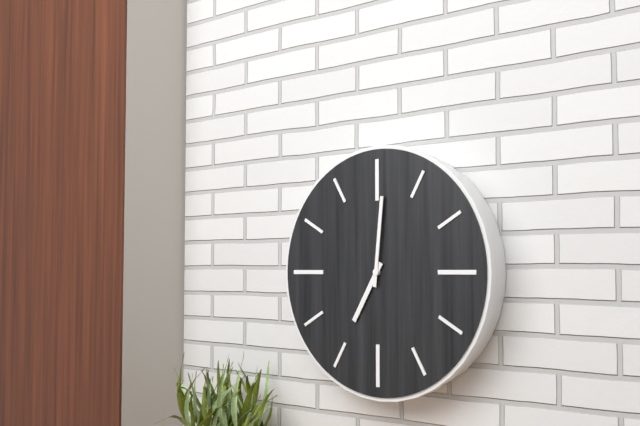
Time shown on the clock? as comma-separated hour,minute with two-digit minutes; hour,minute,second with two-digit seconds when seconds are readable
7,01
